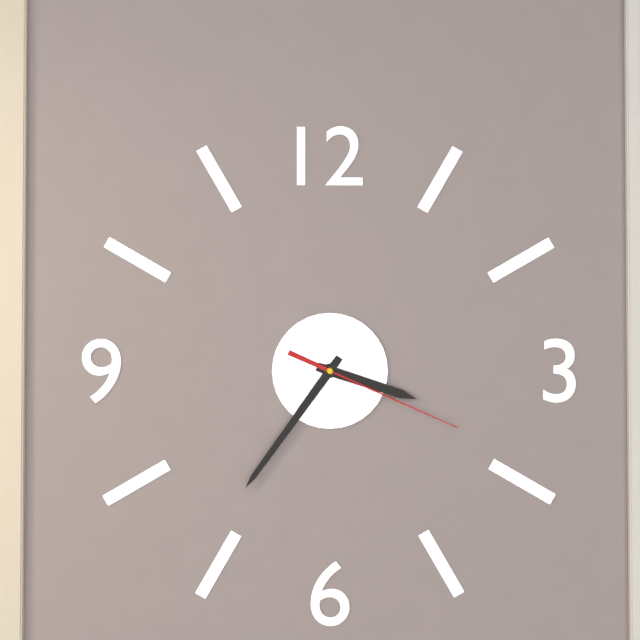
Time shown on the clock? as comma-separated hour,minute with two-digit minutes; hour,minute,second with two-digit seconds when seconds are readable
3,36,19
